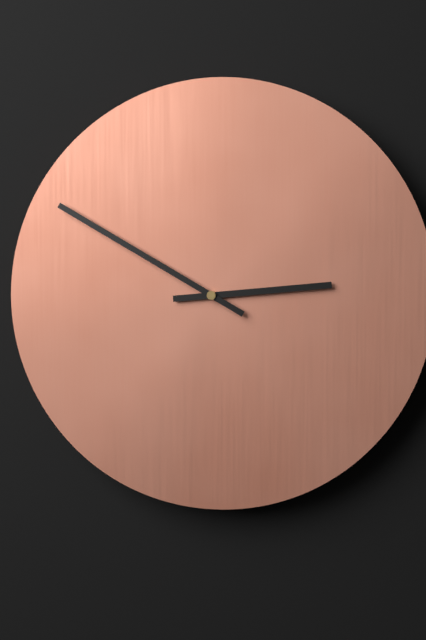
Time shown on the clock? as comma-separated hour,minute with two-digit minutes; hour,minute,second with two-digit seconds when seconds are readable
2,50
